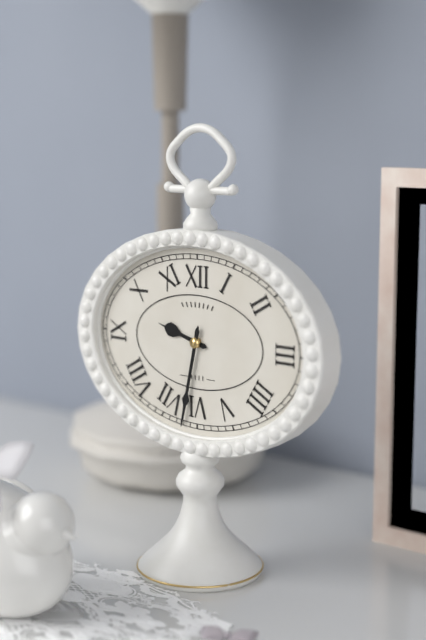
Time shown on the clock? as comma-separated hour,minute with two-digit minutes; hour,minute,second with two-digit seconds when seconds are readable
9,32
